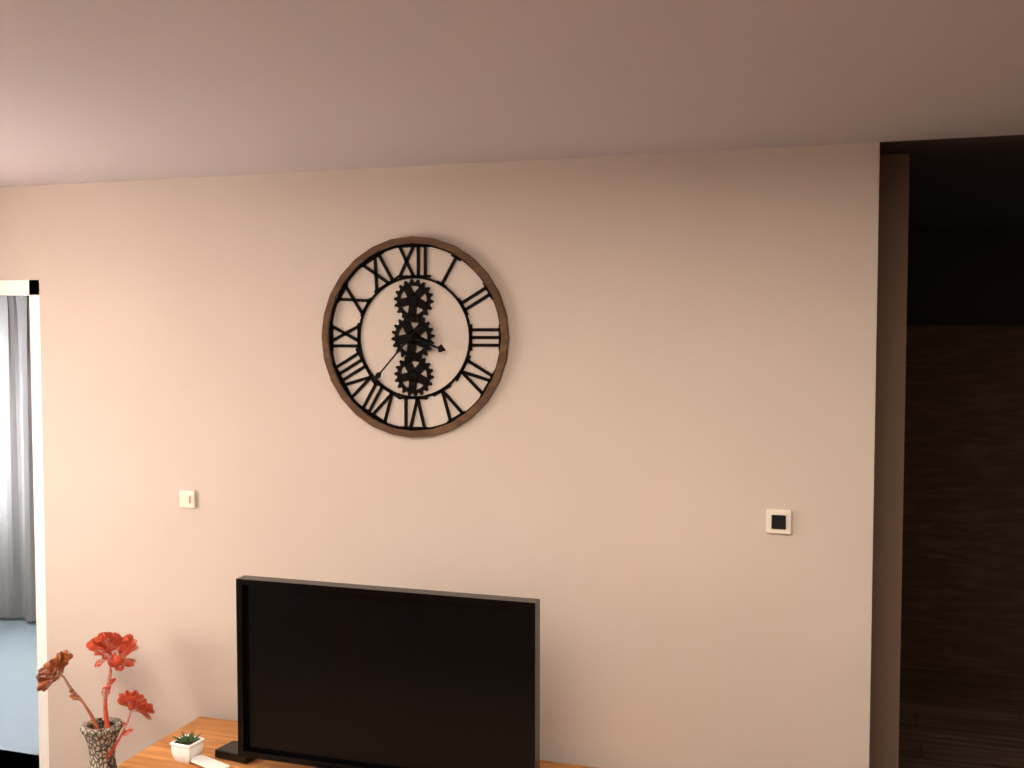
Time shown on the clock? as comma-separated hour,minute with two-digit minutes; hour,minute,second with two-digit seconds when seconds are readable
3,37
